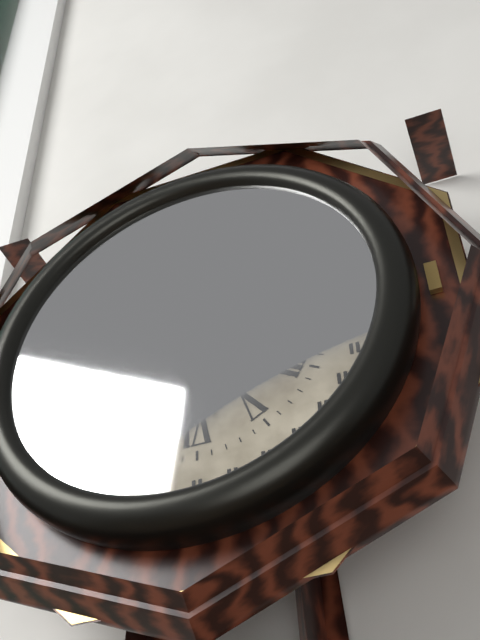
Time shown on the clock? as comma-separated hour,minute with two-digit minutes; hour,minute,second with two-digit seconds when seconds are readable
5,43
